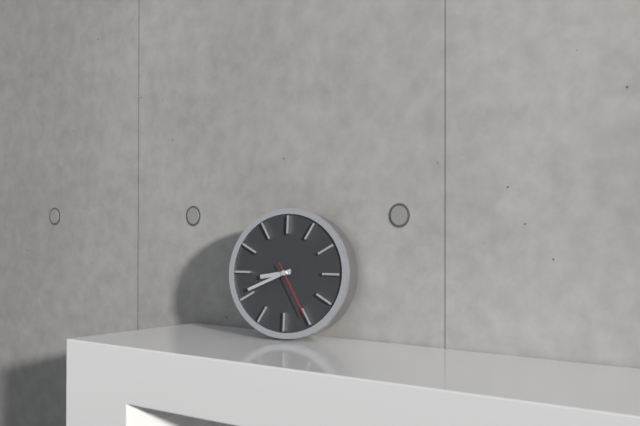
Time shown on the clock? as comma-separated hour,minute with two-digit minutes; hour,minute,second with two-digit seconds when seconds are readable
8,41,25
